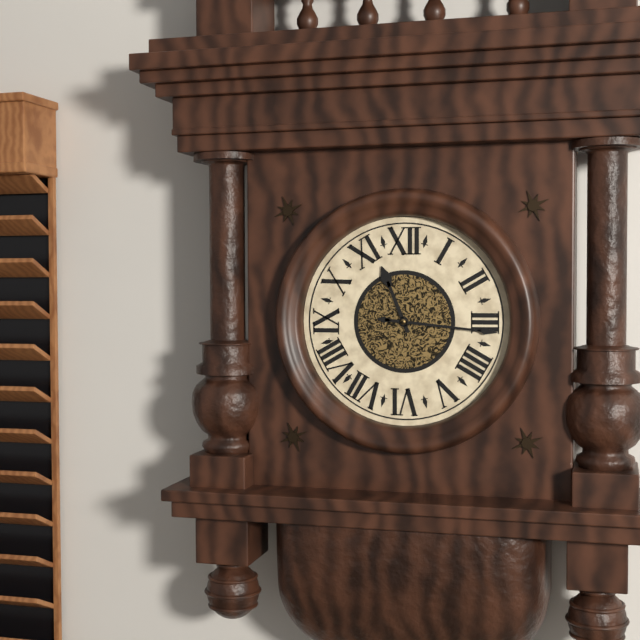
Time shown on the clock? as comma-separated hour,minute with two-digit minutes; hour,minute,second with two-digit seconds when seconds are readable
11,16
